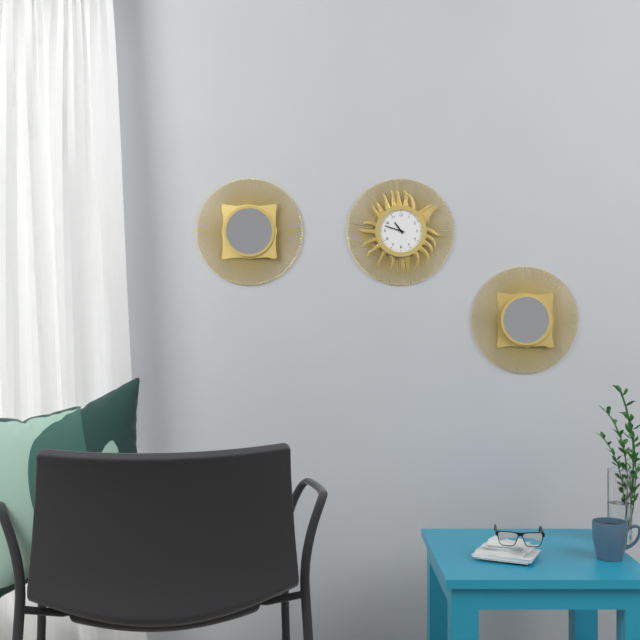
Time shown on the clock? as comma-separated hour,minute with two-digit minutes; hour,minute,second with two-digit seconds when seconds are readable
10,48
